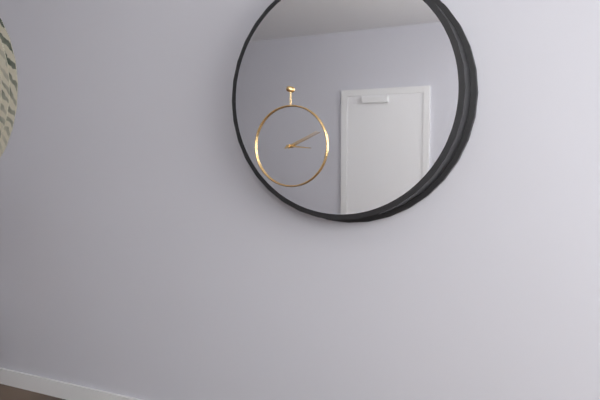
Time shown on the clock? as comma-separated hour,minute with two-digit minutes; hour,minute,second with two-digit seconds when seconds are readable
3,11
